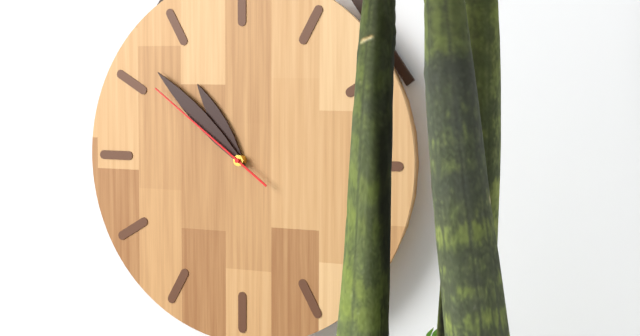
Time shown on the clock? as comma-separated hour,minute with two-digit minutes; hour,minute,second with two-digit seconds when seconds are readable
10,52,51
